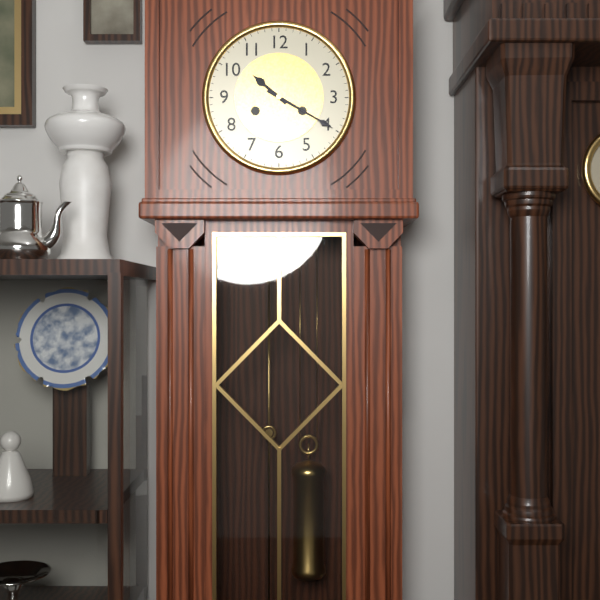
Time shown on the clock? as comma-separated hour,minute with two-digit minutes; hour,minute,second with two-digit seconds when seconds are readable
10,20
